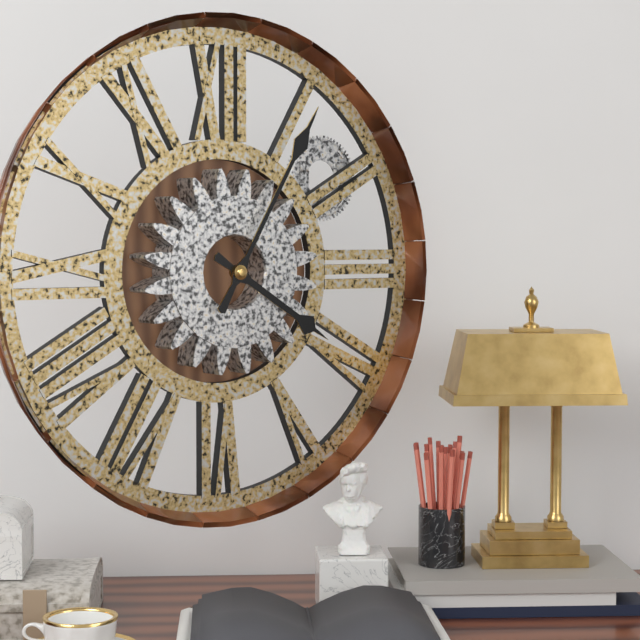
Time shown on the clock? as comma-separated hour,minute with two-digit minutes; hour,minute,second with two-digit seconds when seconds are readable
4,05
